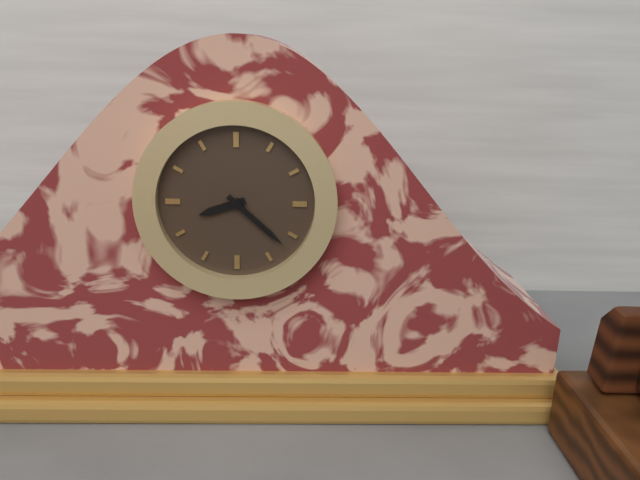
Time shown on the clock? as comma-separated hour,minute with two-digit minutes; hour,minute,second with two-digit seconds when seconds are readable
8,22
